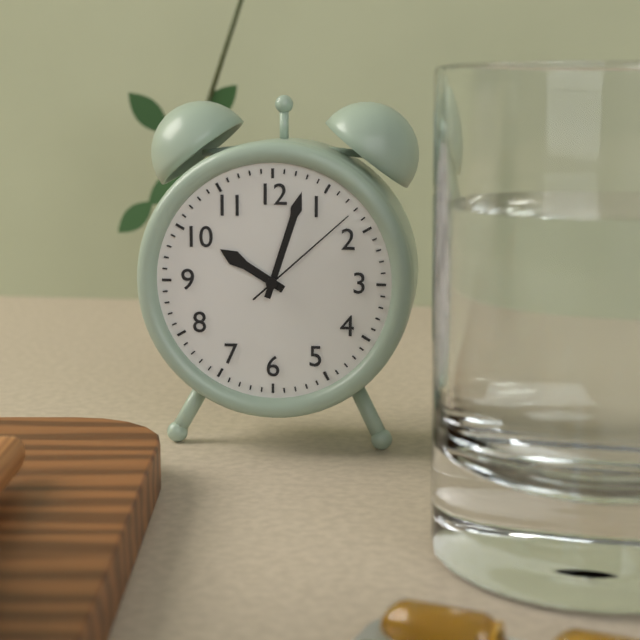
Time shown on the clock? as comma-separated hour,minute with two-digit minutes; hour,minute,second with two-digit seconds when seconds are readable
10,03,08
